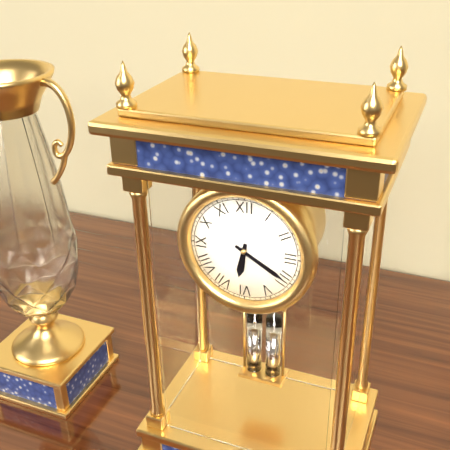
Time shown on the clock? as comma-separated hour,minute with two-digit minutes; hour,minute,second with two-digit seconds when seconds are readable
6,20
